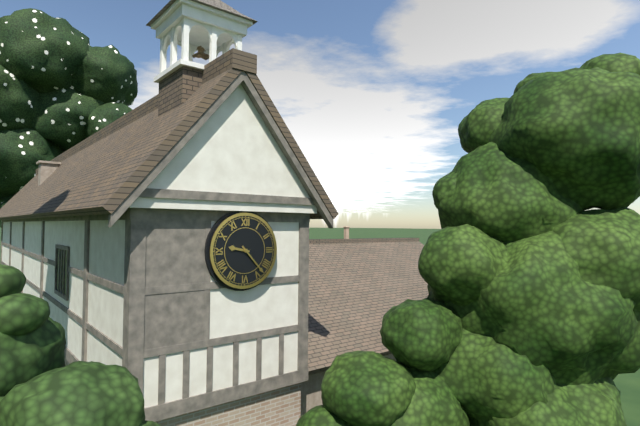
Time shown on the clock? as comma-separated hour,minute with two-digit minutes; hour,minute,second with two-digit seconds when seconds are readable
9,23
